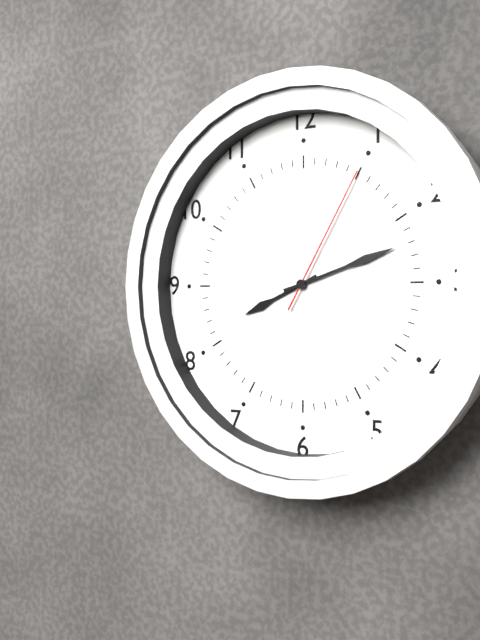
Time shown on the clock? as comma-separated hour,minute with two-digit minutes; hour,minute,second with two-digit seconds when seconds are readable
8,12,05
